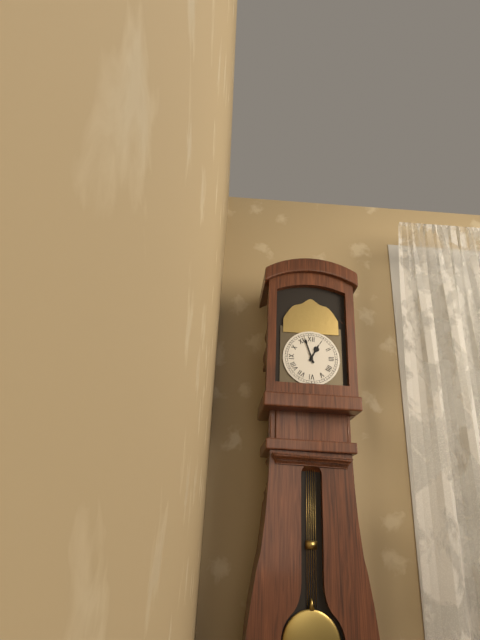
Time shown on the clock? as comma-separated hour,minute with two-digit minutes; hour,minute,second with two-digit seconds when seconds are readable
12,57
